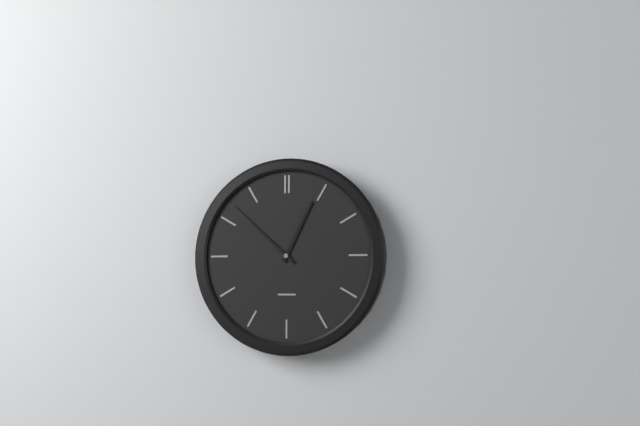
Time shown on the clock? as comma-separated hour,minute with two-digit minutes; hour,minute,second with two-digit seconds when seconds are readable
12,52
